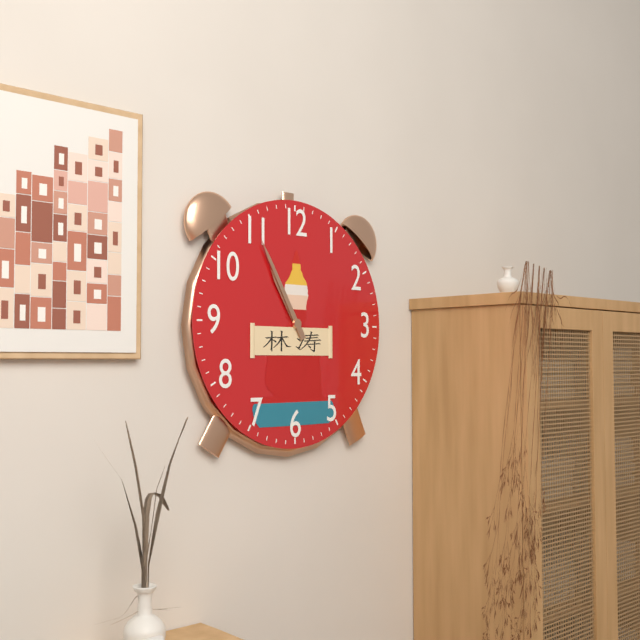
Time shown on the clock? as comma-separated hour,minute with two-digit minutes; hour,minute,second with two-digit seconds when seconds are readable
10,55
